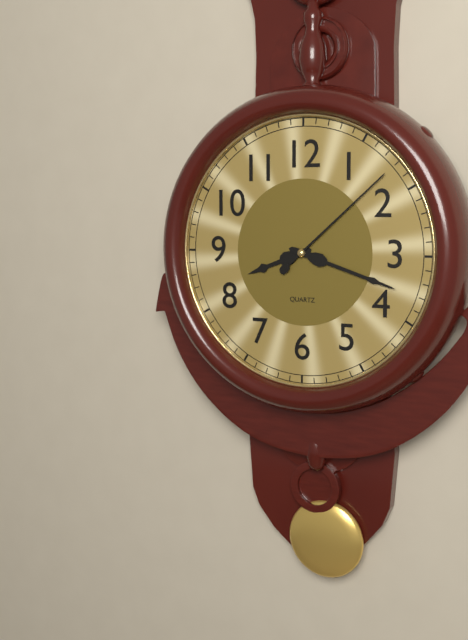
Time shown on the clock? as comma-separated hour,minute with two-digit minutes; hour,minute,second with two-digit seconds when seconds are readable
8,18,08
